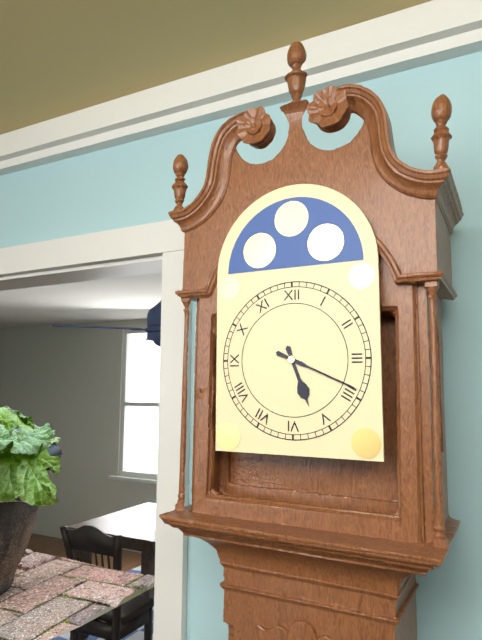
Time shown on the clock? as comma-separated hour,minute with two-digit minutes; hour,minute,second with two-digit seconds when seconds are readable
5,19
